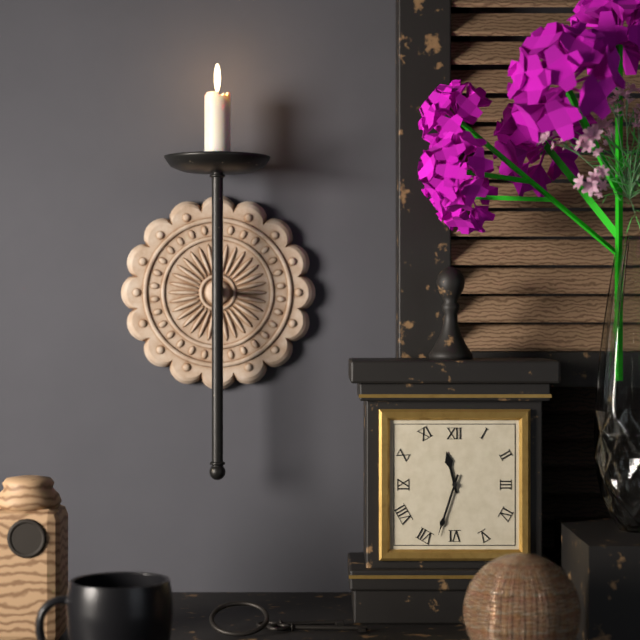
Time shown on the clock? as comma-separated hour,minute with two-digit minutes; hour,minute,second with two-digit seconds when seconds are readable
11,33
